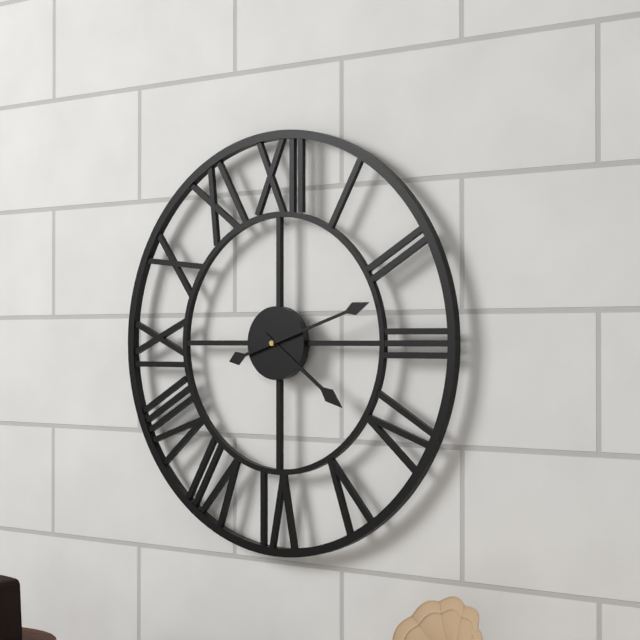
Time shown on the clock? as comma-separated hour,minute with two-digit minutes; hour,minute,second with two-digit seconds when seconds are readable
4,12
